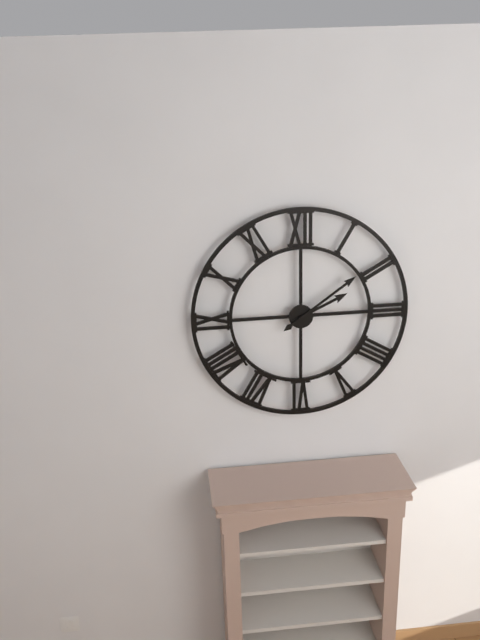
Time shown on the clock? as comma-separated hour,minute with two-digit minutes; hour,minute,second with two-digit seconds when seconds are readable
2,09
